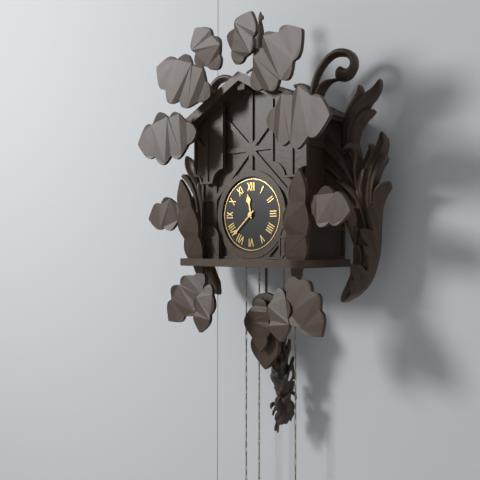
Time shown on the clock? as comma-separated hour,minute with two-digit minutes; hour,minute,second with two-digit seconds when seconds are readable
11,38
